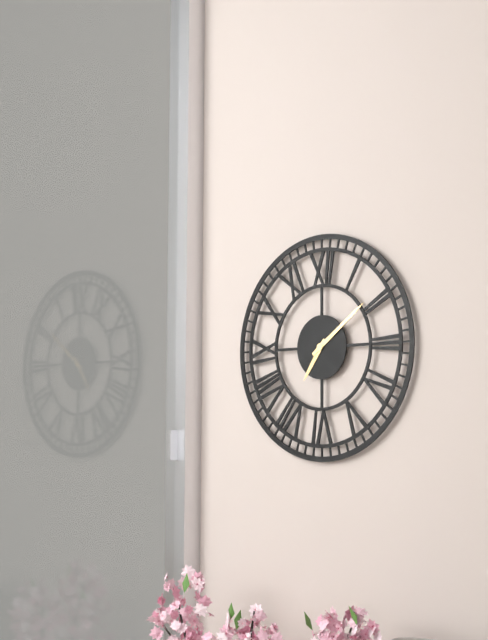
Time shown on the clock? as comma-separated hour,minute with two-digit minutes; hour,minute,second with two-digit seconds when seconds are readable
7,09
